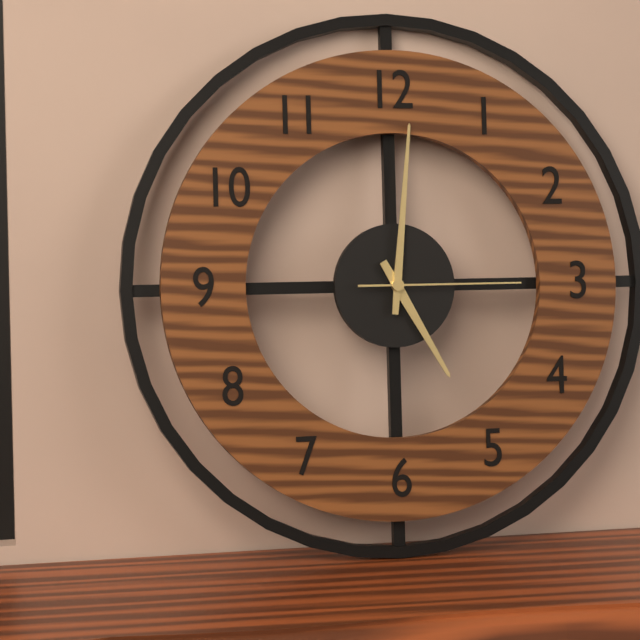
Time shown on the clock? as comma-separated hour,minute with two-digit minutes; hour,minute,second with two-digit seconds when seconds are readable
5,01,15
